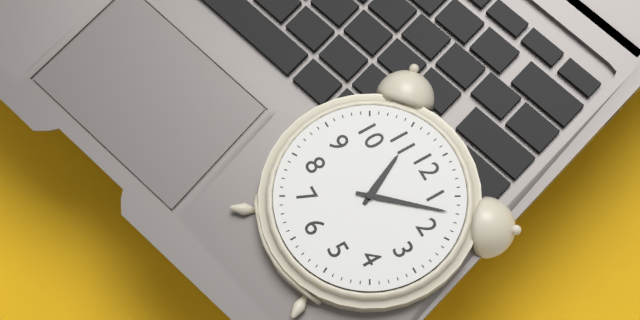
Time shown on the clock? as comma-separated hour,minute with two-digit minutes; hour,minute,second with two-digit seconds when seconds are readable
11,07
